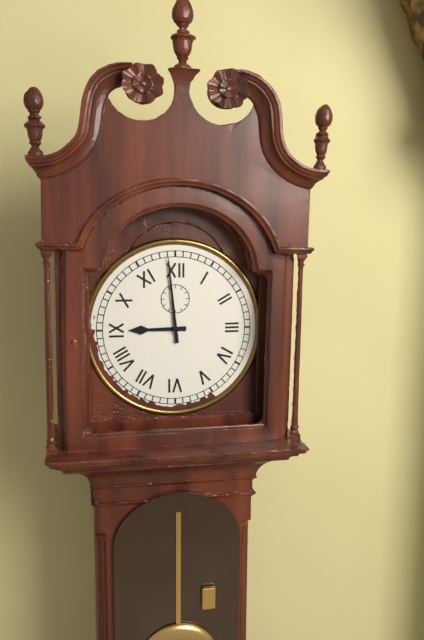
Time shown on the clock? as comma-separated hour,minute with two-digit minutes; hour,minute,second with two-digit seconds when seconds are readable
8,59
